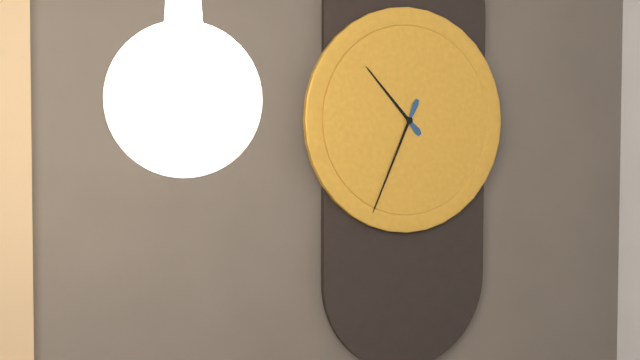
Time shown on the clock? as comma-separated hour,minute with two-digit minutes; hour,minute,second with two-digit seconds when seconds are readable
10,34
